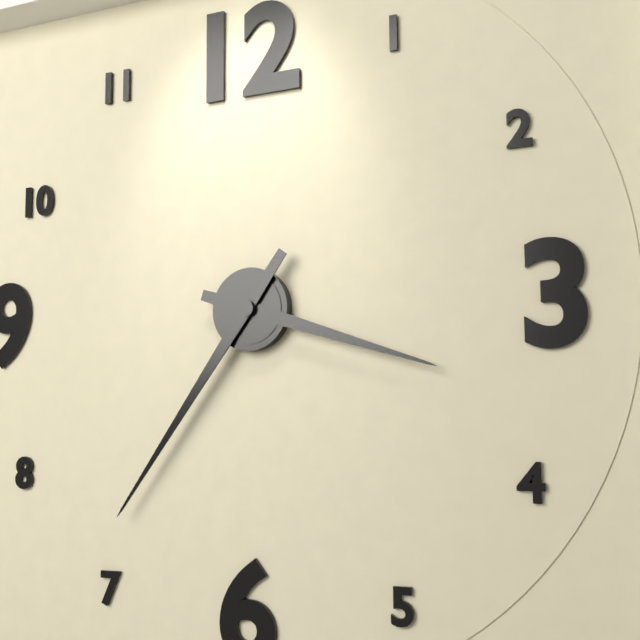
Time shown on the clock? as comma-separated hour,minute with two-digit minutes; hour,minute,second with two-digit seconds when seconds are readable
3,36
